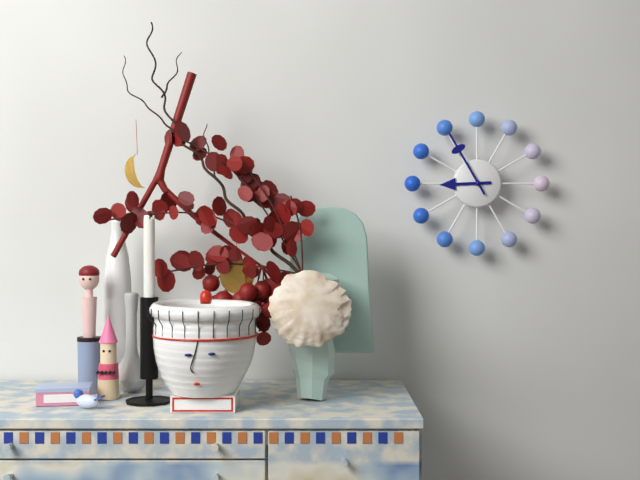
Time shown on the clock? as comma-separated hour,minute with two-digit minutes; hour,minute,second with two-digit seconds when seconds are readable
8,55
